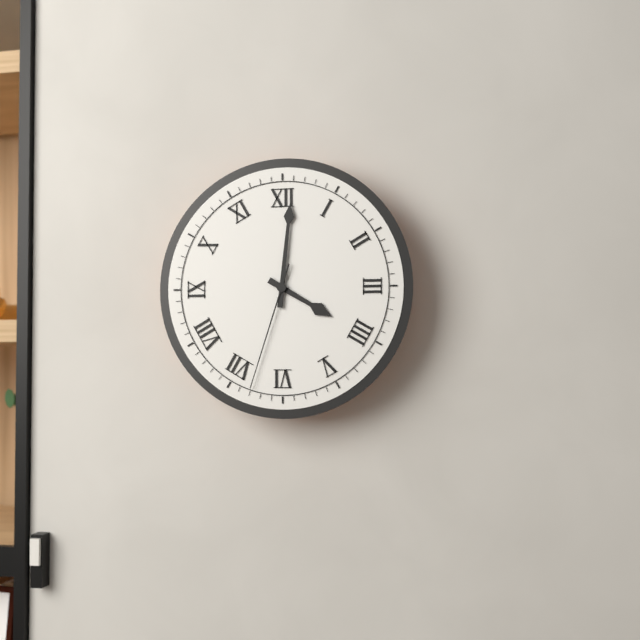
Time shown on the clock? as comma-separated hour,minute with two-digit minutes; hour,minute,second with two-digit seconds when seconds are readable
4,01,33
